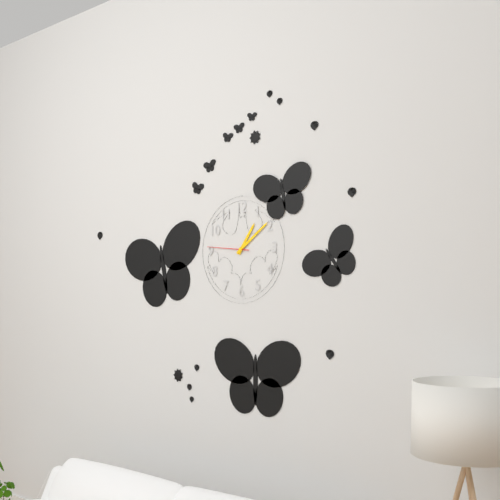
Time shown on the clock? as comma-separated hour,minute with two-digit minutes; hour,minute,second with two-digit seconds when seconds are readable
1,09
